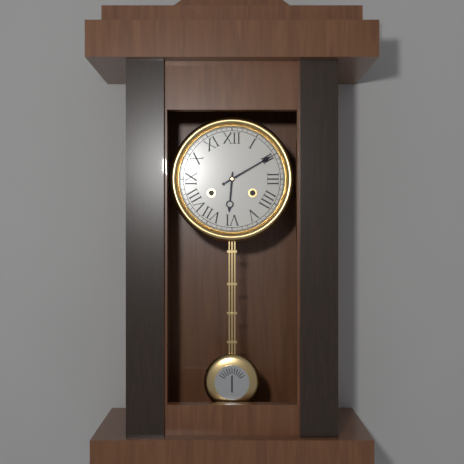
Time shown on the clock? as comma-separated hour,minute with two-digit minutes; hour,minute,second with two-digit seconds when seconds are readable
6,10
